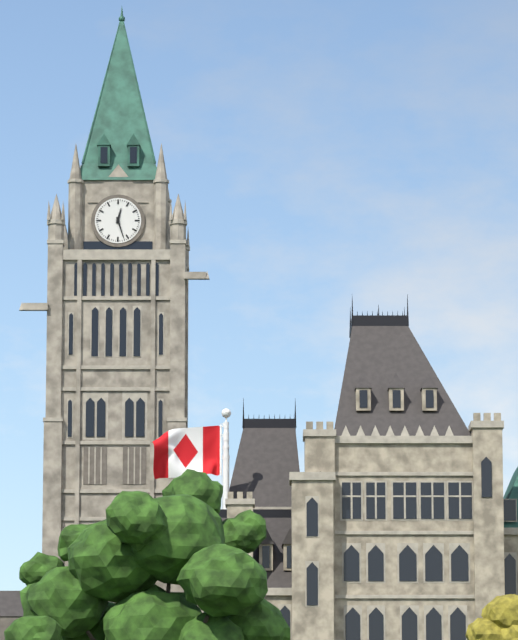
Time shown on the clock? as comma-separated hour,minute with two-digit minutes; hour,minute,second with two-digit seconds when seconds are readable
12,27
